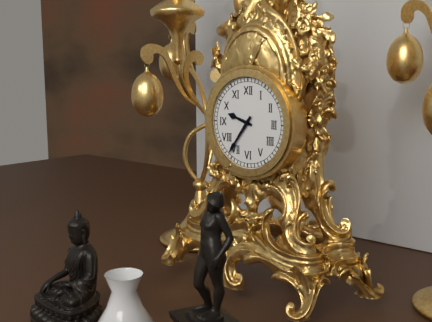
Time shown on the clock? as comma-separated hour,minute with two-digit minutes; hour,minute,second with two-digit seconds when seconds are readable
9,36
